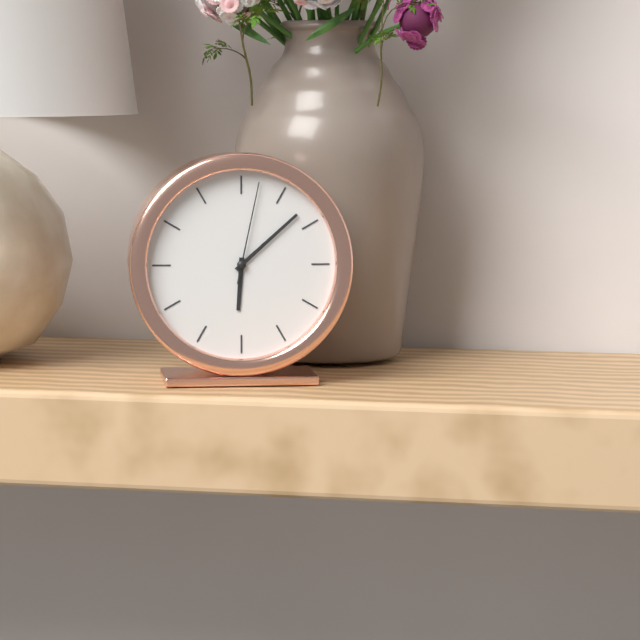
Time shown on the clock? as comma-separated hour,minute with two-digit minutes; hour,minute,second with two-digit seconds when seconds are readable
6,08,02
